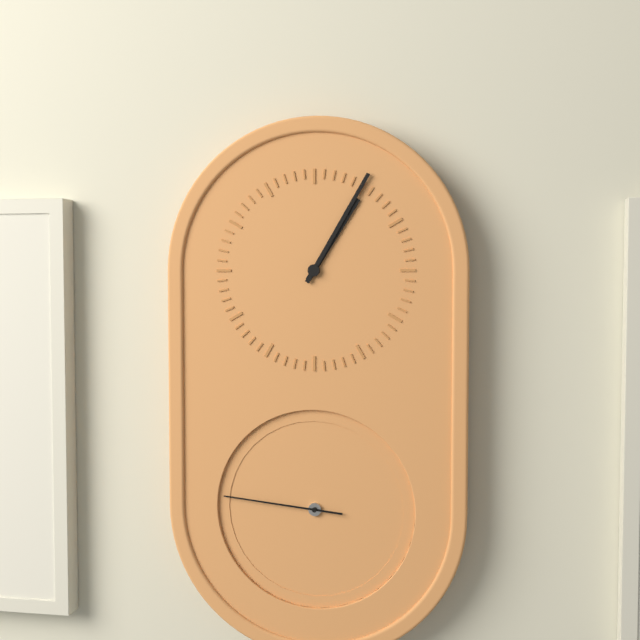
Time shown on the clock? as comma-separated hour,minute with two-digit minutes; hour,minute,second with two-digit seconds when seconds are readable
1,05,46
